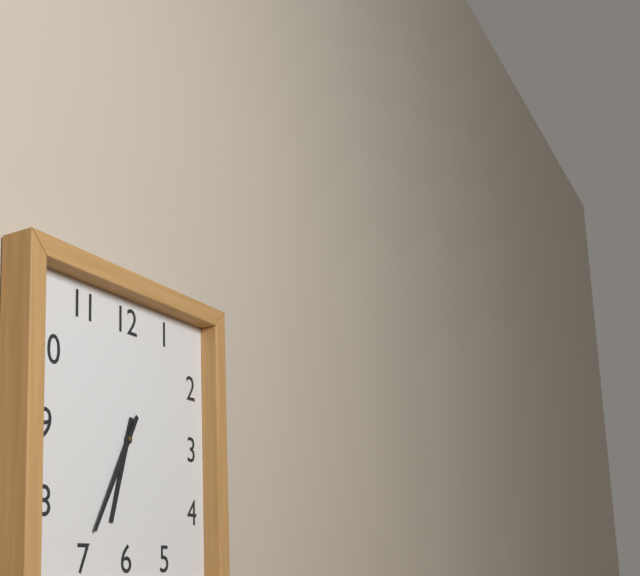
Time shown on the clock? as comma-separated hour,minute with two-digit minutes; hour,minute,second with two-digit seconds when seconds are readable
6,35
